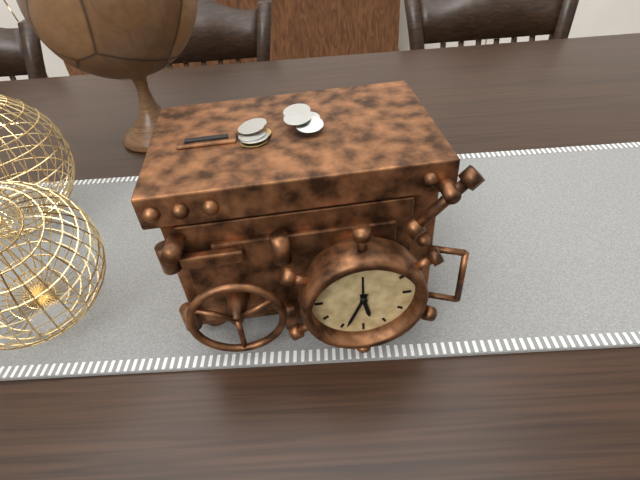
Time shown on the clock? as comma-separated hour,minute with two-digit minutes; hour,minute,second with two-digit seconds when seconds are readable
5,34
